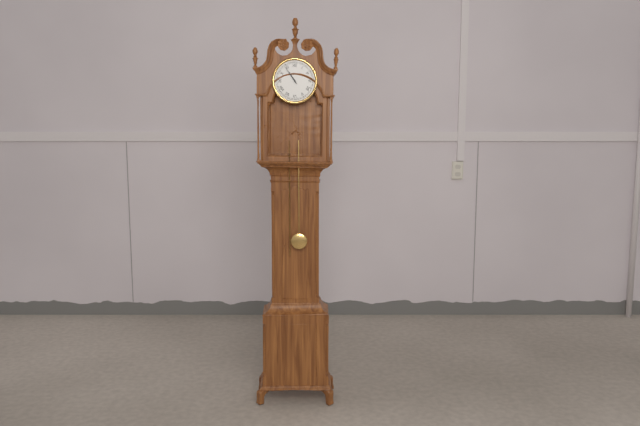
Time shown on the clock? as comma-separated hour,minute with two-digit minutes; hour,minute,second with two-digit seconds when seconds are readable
10,54
